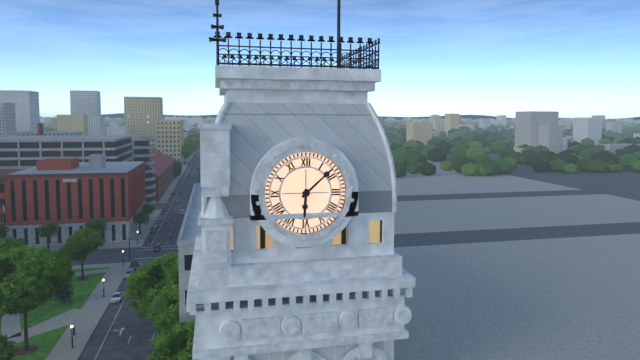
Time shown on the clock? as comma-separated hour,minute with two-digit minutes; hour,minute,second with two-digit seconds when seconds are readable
6,08
